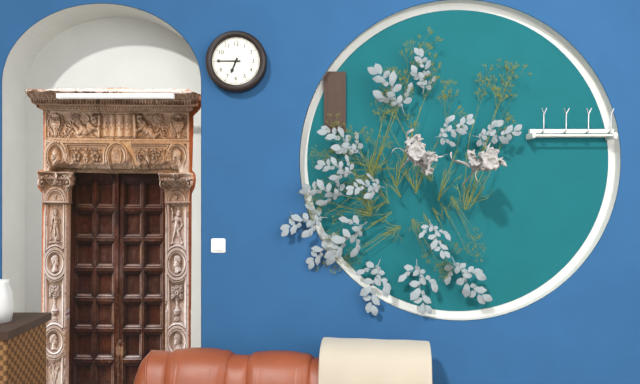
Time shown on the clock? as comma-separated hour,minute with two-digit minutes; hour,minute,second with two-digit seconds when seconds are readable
6,45
